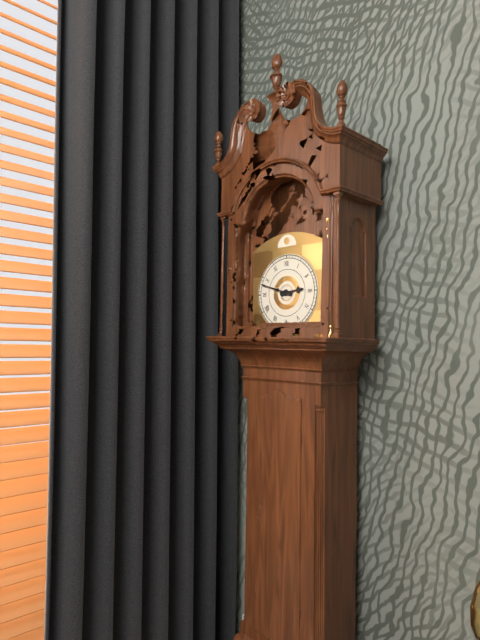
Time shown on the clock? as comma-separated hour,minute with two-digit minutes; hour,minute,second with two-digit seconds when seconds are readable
2,48
